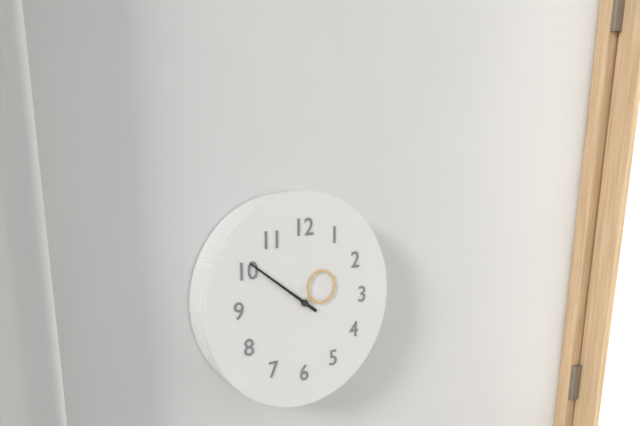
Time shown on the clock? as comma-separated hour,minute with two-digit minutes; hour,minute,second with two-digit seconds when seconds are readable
1,51
